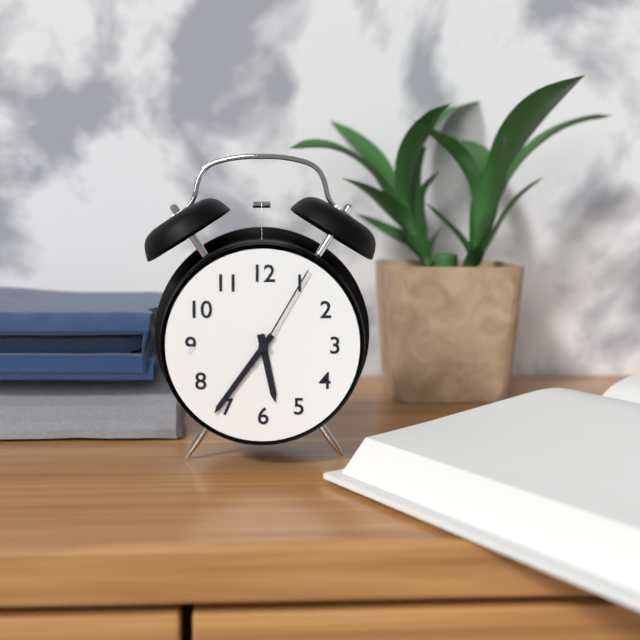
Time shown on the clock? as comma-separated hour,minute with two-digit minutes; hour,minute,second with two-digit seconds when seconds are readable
5,36,05
